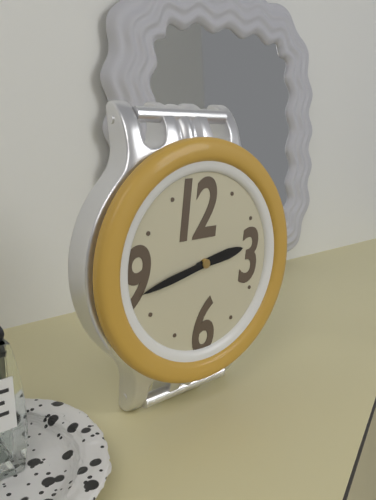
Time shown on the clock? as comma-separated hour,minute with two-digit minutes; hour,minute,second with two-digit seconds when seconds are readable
2,43
